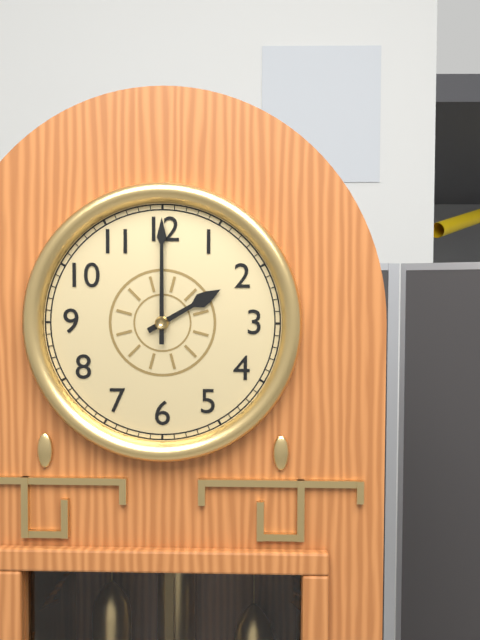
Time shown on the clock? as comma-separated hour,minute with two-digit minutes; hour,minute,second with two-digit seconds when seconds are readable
2,00
